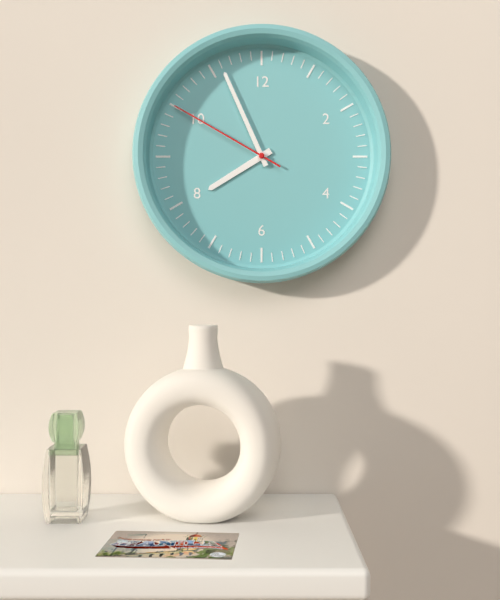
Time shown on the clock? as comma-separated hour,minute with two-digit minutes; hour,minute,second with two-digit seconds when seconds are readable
7,56,50
